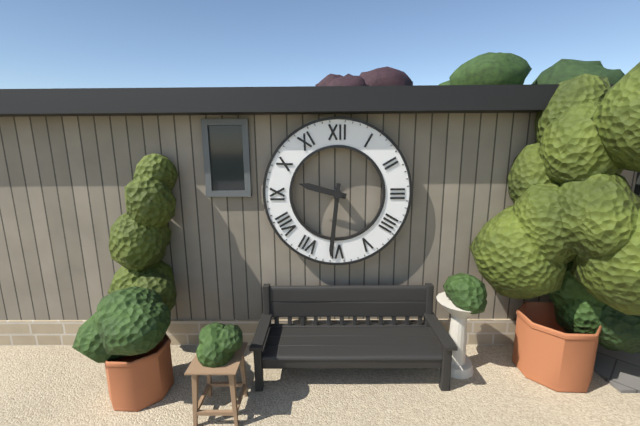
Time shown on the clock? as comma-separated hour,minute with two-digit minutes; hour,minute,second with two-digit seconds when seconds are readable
9,31
